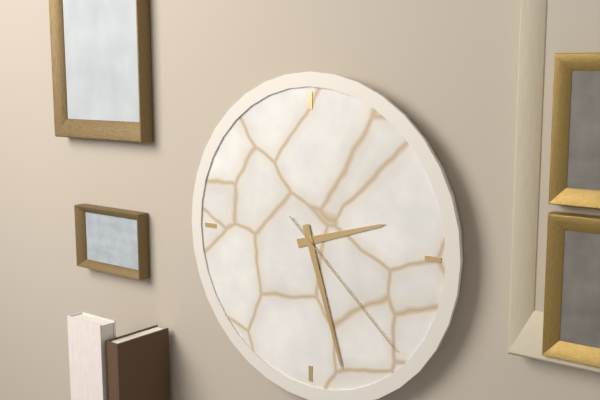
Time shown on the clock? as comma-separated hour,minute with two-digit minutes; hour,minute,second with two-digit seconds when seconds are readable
2,27,22
